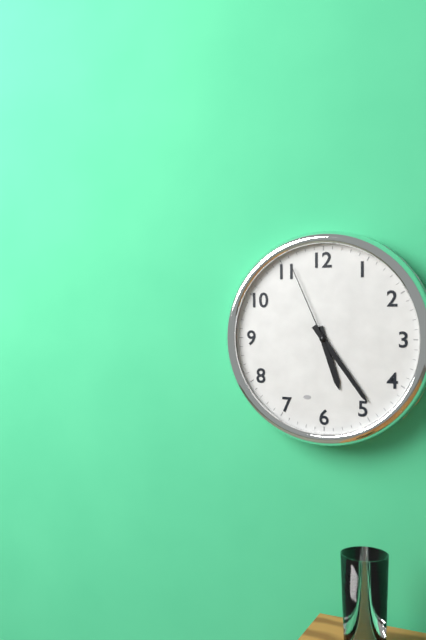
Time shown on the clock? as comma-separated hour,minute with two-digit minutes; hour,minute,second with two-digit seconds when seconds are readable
5,24,56
